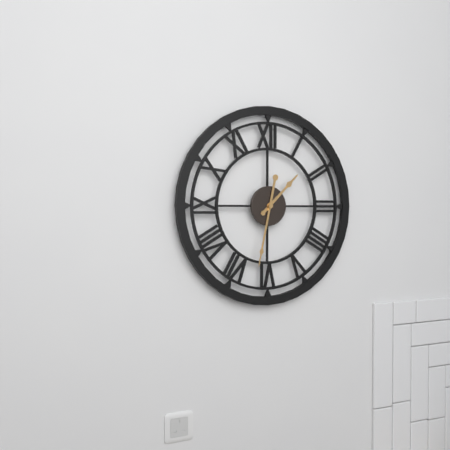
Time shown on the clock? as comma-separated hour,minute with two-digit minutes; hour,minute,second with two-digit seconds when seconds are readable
1,32
